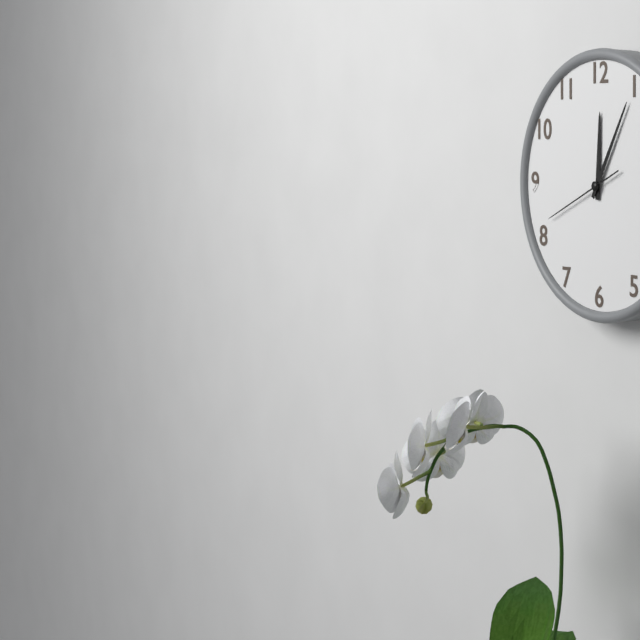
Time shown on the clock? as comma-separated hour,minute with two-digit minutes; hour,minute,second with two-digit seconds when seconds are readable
12,05,41
